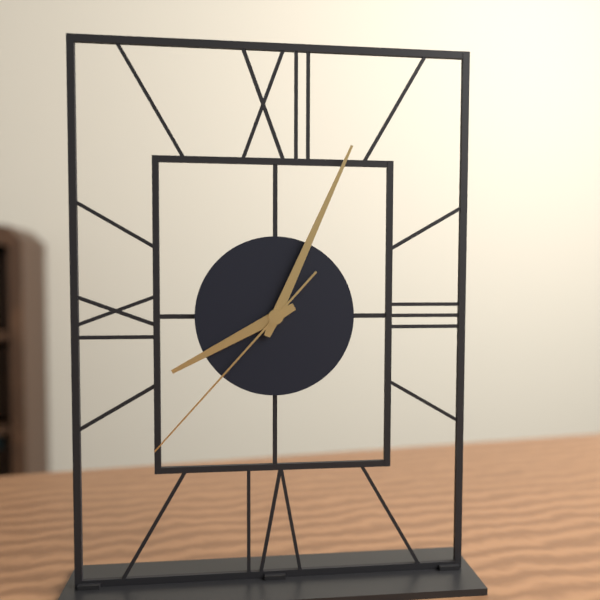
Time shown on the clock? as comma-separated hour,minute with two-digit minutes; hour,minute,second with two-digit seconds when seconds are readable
8,04,37
